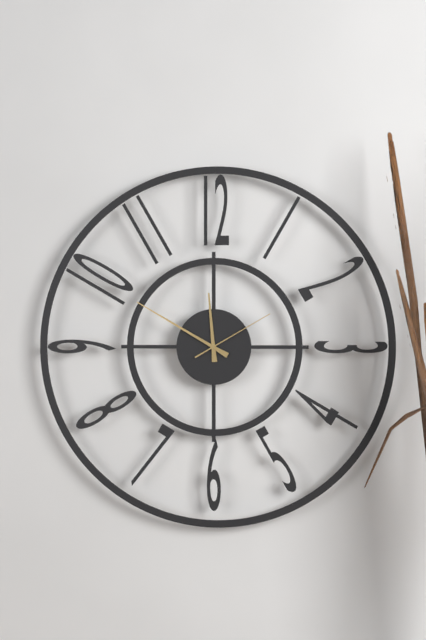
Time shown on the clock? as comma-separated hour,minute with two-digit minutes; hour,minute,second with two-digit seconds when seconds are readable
11,50,10
